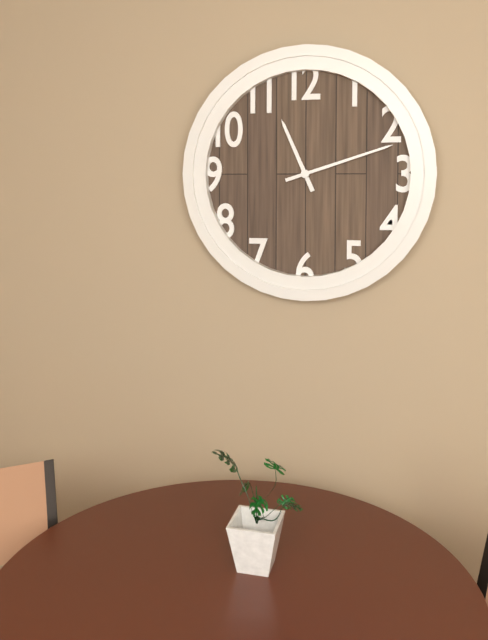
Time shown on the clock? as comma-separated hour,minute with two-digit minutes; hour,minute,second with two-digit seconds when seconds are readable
11,12
